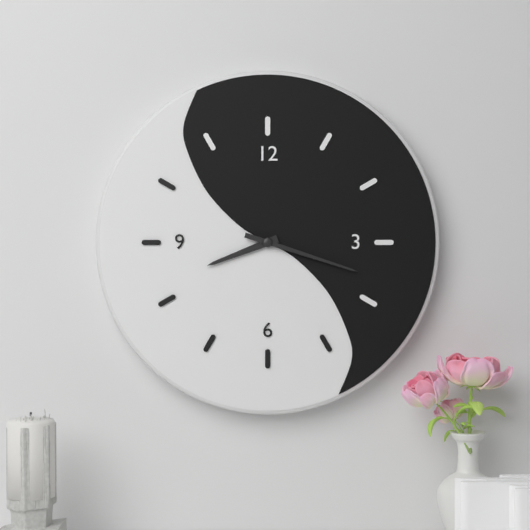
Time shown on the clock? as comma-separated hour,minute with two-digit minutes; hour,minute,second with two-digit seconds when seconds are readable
8,18
